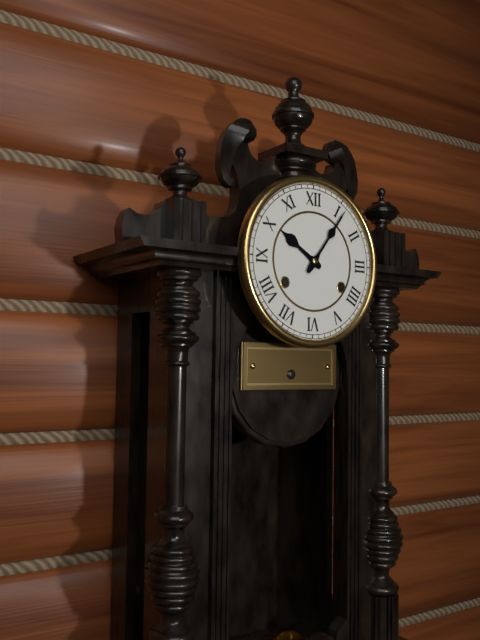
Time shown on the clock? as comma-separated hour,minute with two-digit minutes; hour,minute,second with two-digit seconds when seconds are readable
10,06
